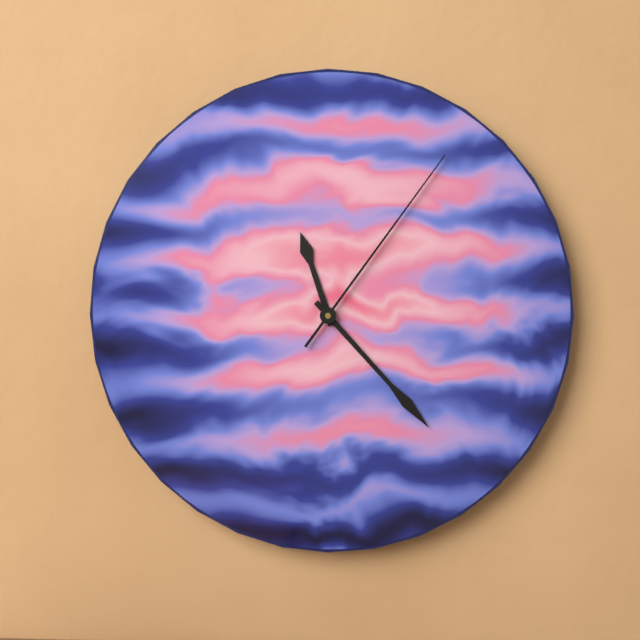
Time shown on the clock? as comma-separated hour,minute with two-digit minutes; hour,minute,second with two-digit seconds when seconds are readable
11,23,06
